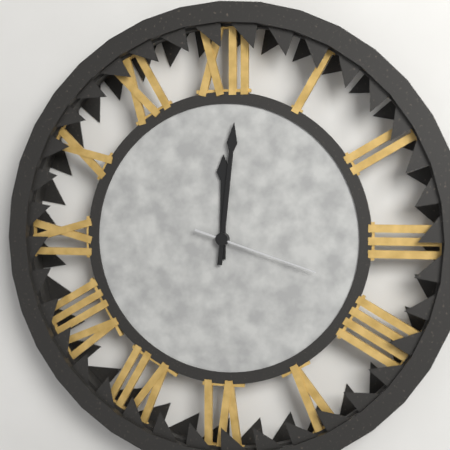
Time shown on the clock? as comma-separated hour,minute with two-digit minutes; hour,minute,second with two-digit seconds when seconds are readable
12,01,18
